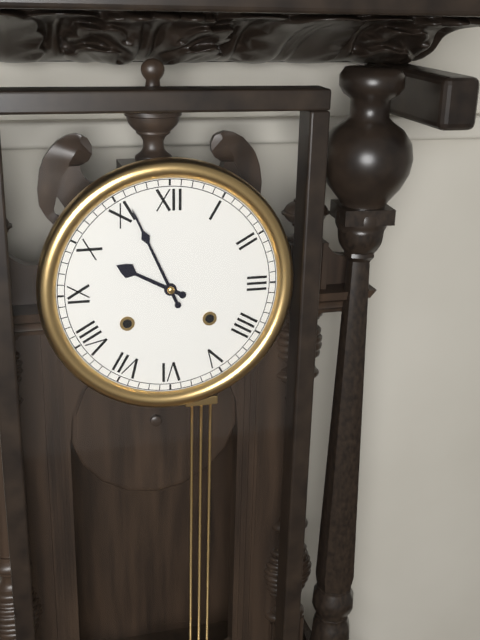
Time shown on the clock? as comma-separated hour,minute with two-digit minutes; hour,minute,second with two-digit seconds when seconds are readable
9,56
